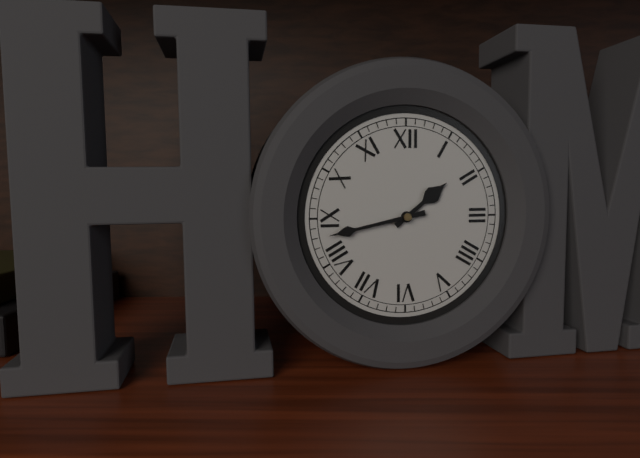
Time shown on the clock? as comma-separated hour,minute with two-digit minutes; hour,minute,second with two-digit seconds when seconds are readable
1,43
